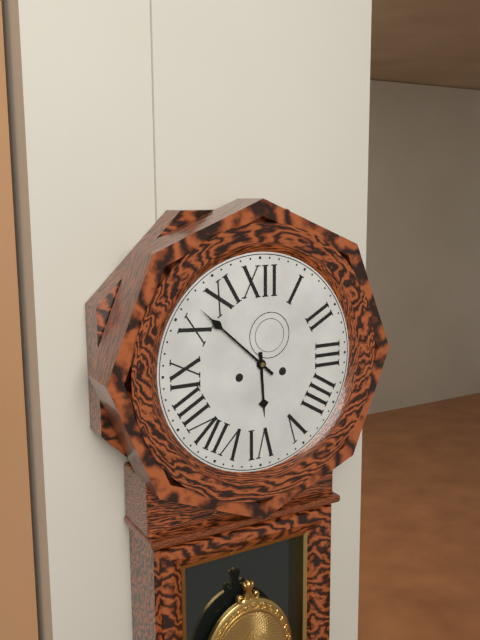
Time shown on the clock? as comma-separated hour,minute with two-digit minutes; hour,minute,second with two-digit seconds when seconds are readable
5,52
